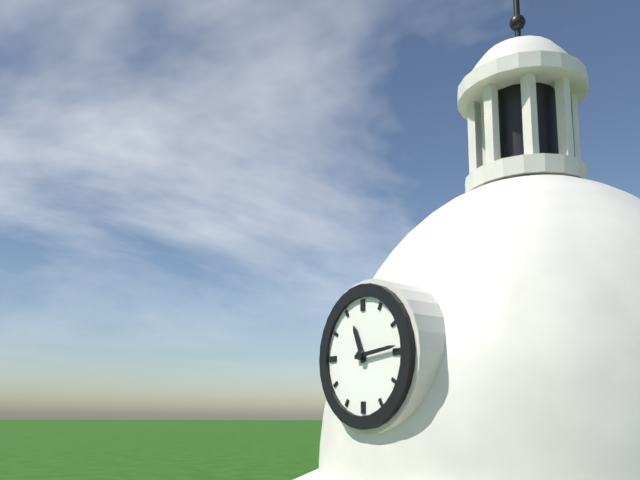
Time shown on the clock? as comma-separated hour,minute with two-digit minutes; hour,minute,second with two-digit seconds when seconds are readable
11,14
